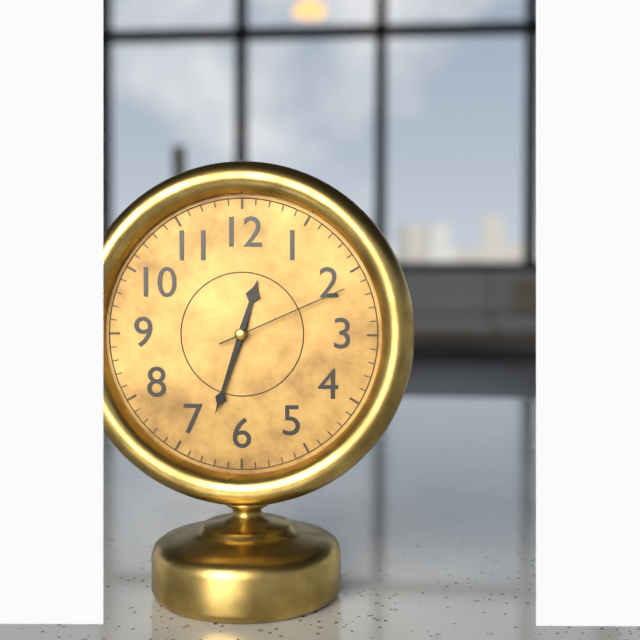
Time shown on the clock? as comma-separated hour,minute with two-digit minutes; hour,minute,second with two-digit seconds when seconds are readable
12,33,11
